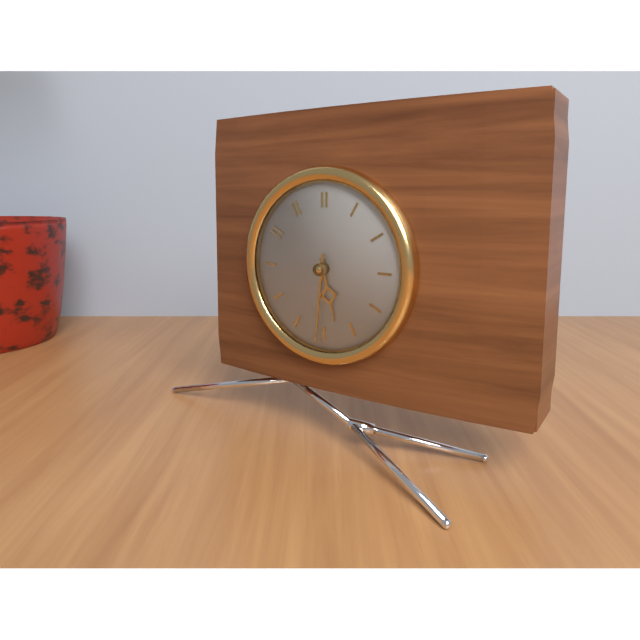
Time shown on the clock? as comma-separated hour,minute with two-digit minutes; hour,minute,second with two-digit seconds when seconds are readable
5,31
